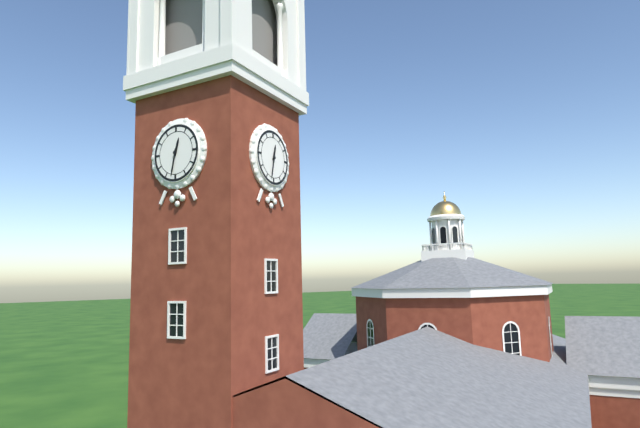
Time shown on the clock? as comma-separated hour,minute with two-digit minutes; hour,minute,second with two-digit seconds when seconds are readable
12,32
